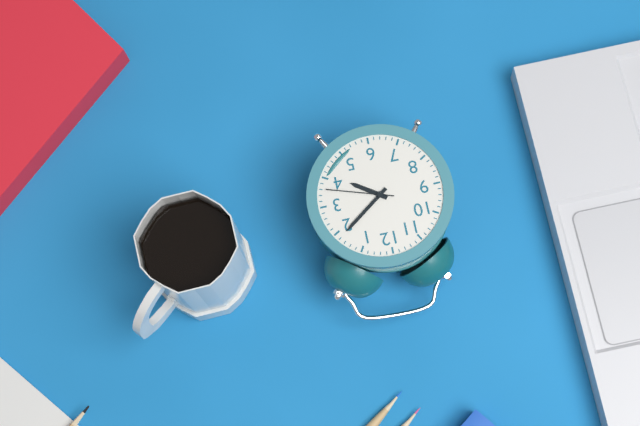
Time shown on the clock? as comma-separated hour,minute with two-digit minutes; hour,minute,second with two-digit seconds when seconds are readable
4,09,18
